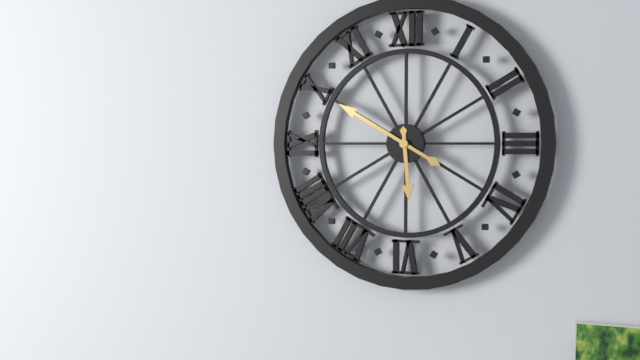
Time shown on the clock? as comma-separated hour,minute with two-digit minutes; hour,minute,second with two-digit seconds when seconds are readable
5,50
